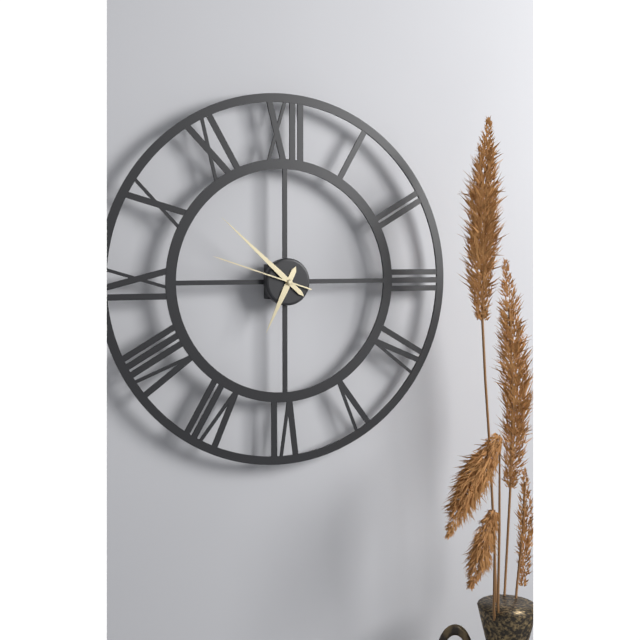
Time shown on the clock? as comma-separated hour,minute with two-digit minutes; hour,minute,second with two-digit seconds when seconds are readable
6,52,48
